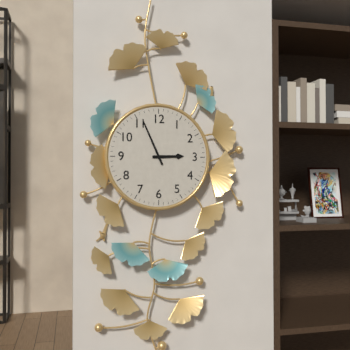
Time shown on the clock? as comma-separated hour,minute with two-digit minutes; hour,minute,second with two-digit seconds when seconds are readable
2,56
